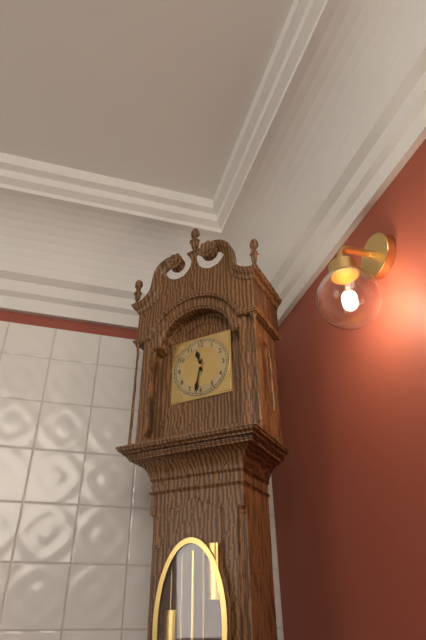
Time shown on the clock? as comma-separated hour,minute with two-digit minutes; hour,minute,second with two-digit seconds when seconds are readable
11,32
